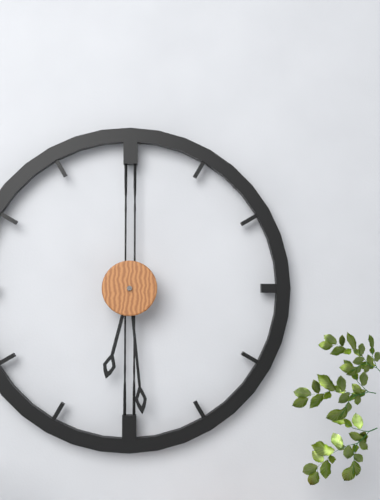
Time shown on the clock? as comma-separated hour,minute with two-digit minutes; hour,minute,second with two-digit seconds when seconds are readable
6,29
